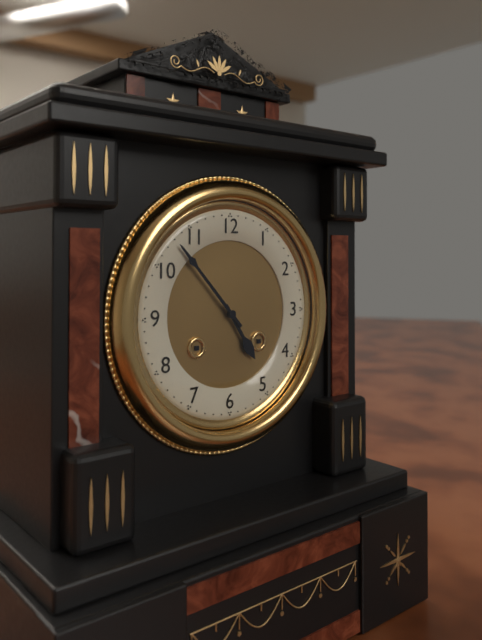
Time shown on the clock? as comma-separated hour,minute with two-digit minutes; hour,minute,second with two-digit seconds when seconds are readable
4,53
